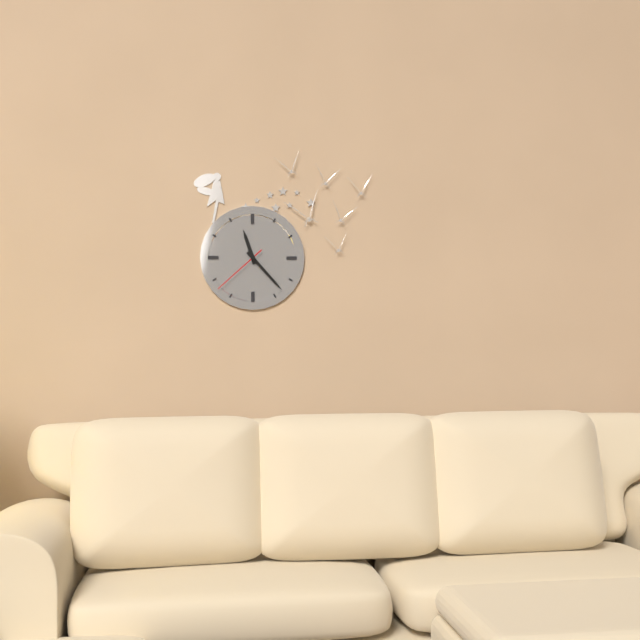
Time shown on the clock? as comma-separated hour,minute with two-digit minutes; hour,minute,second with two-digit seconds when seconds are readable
11,23,38
